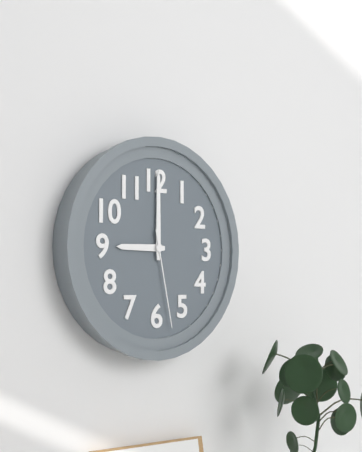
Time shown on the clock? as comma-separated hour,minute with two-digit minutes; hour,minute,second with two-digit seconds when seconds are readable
9,00,28
